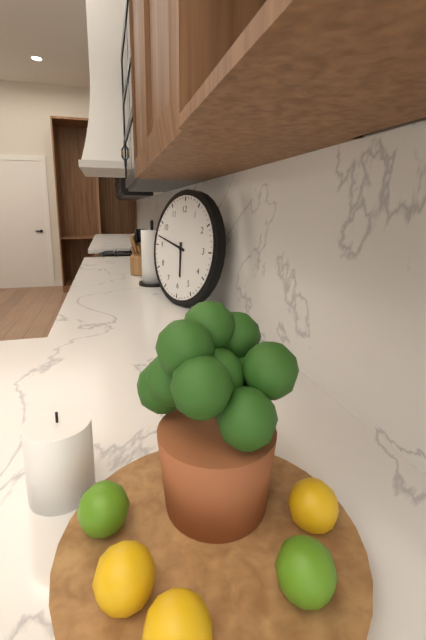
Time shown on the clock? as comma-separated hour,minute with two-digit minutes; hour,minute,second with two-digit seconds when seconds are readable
5,47
